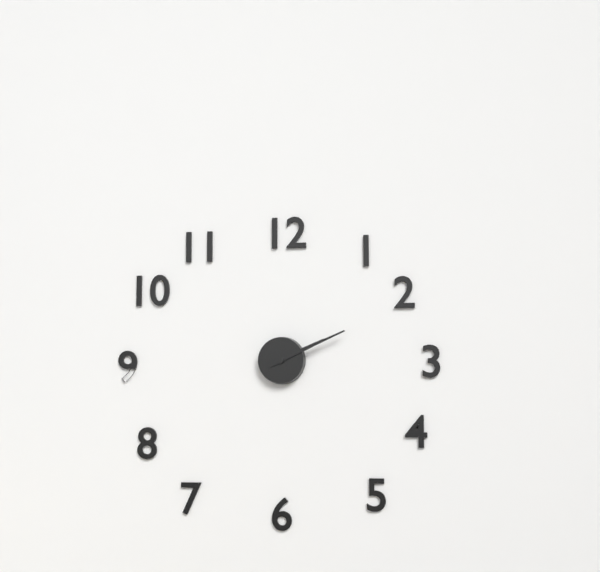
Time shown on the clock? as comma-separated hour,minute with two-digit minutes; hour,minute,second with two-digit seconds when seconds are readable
2,11
